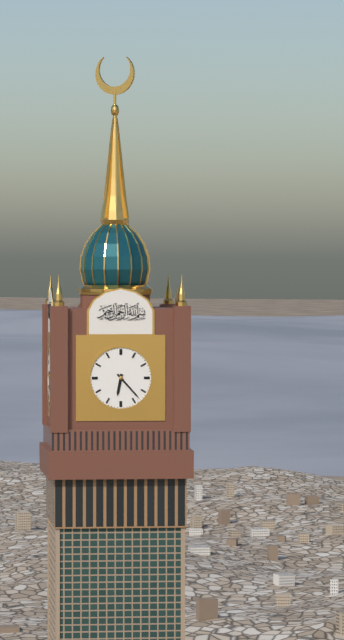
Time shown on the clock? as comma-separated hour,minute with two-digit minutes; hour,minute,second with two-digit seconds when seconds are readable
6,23
